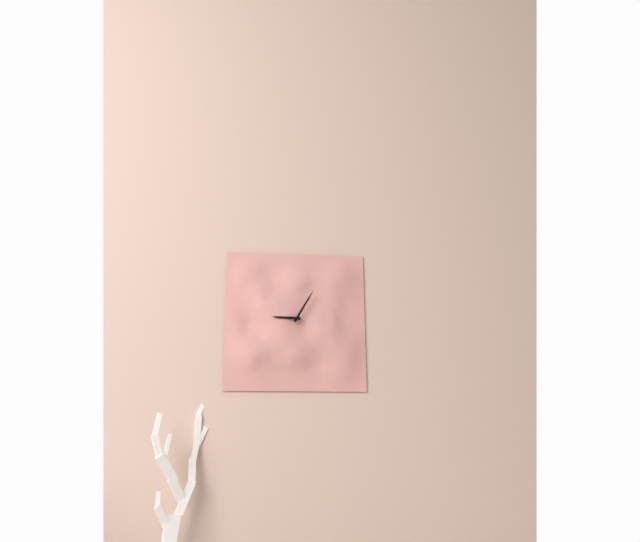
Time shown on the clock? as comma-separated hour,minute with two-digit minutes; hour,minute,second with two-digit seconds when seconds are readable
9,05
